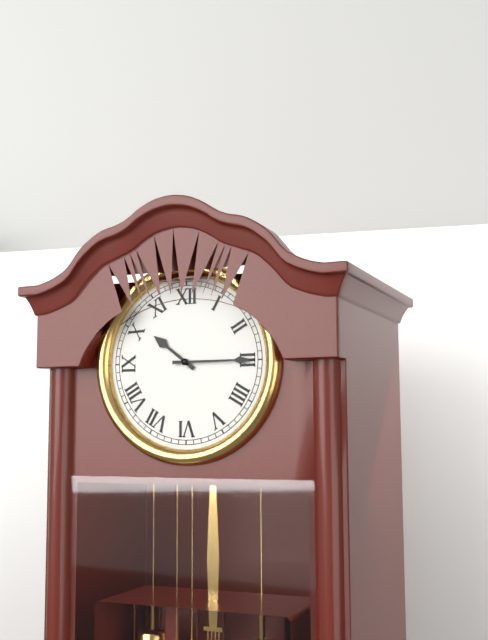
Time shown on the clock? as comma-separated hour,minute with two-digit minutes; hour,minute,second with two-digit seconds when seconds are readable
10,15
